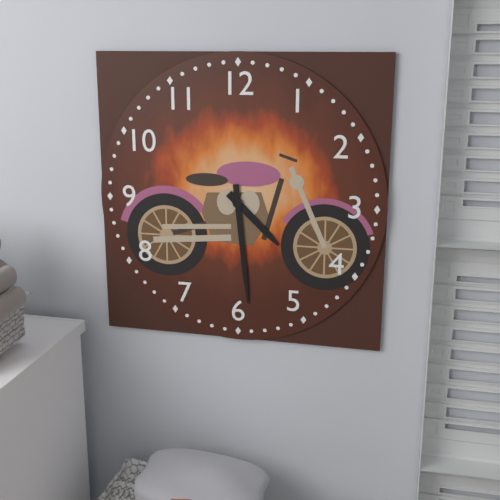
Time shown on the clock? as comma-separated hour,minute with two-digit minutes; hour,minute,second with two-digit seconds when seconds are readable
4,29
